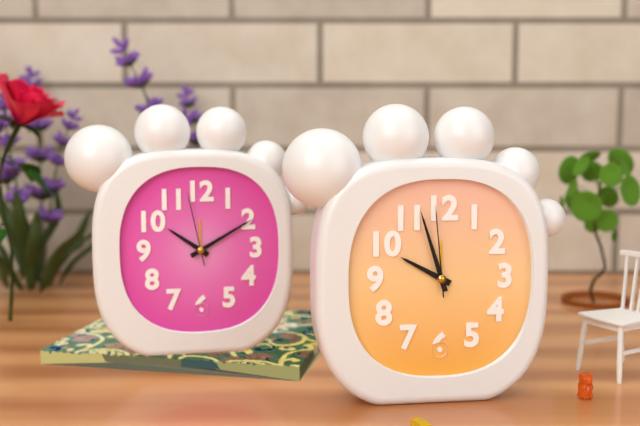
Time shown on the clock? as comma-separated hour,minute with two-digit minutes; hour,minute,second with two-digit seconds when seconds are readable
9,57,59
